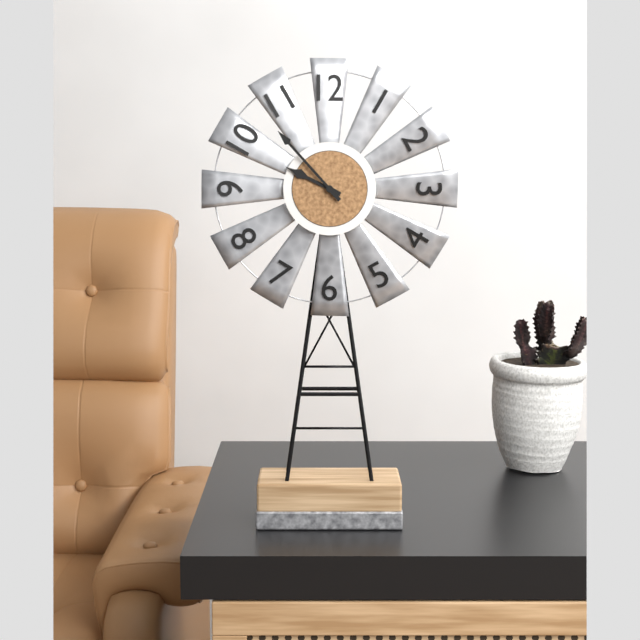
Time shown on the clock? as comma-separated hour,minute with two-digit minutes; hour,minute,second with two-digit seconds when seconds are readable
9,53
